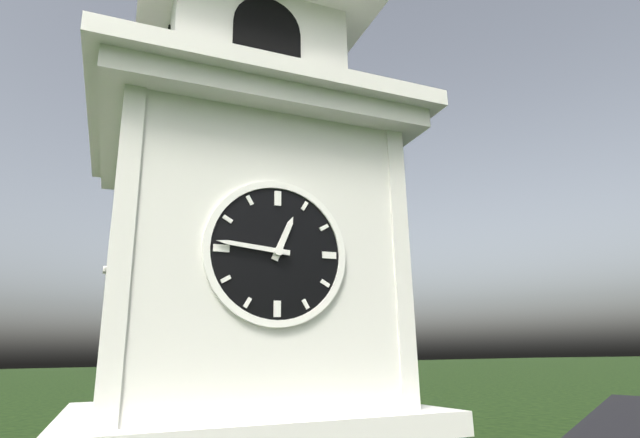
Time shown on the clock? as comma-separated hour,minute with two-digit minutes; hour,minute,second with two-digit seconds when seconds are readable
12,46
